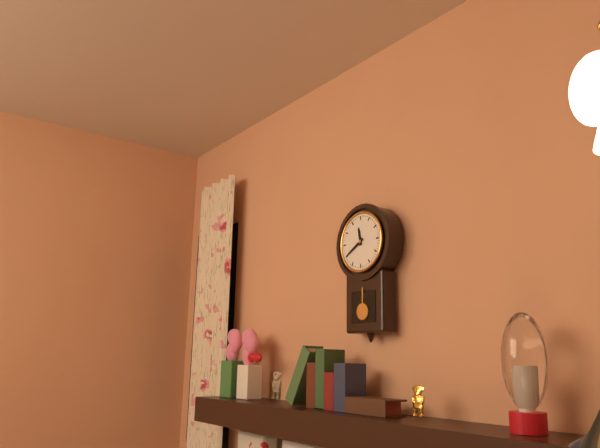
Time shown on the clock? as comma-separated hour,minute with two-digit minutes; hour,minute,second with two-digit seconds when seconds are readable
11,40
